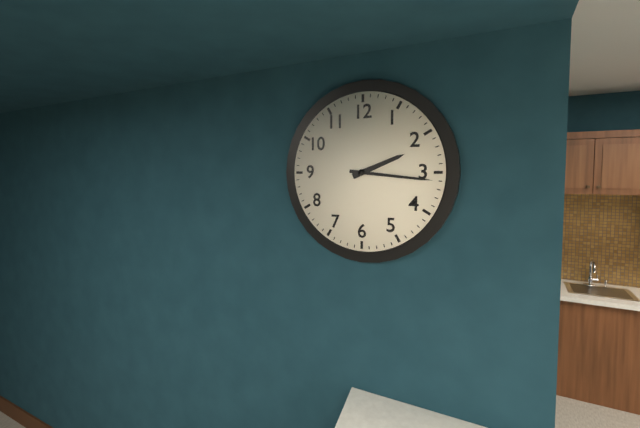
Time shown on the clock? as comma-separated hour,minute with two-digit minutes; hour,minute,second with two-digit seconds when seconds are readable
2,16
